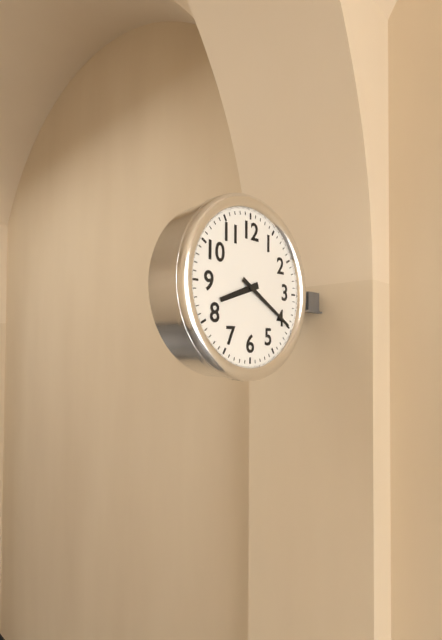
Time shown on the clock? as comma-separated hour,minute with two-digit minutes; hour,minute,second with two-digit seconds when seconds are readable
8,20
